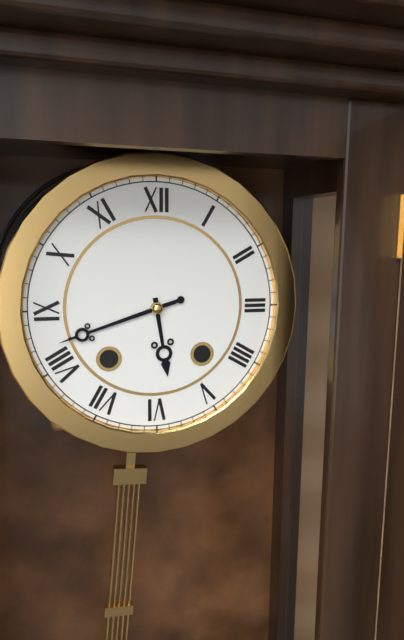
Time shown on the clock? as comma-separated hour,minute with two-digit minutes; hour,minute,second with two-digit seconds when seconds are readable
5,42
